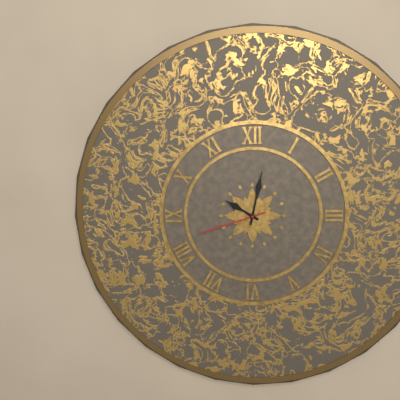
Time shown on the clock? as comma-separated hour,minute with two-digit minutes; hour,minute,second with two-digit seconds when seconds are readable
10,02,42
